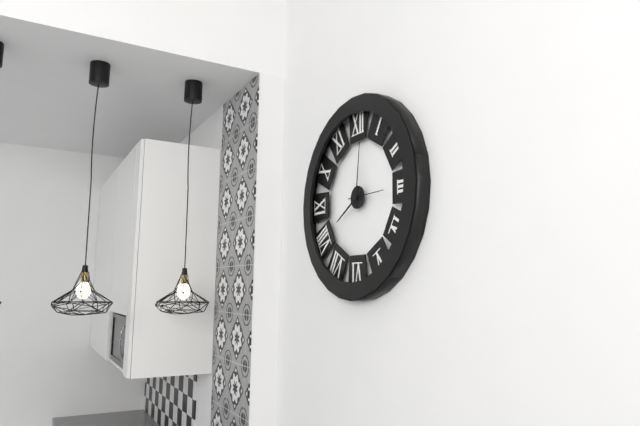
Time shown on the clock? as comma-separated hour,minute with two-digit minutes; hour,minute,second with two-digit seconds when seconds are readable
8,01
